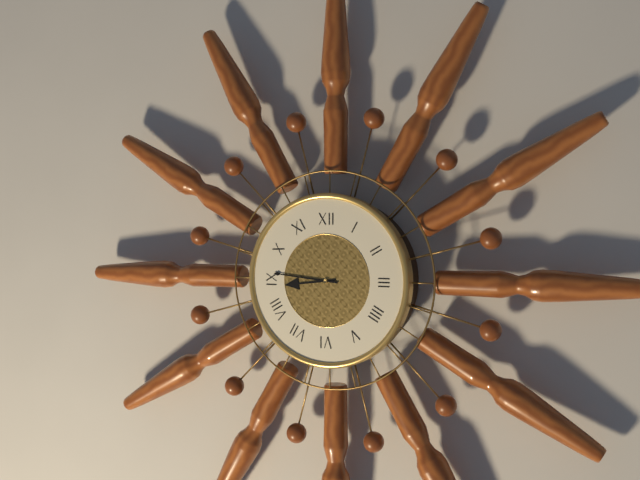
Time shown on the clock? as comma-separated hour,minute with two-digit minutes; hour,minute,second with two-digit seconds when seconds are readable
8,46
